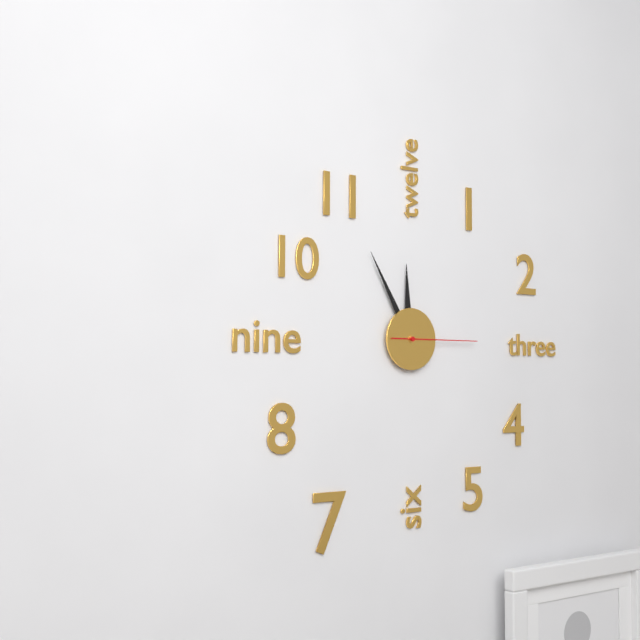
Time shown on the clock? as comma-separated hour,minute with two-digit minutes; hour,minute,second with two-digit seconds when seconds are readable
11,55,15
